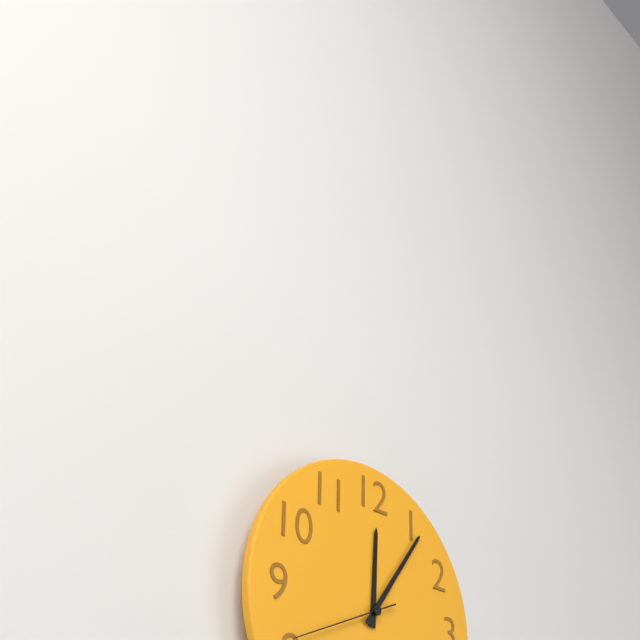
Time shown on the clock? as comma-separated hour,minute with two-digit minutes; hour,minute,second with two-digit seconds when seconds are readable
12,06,41
